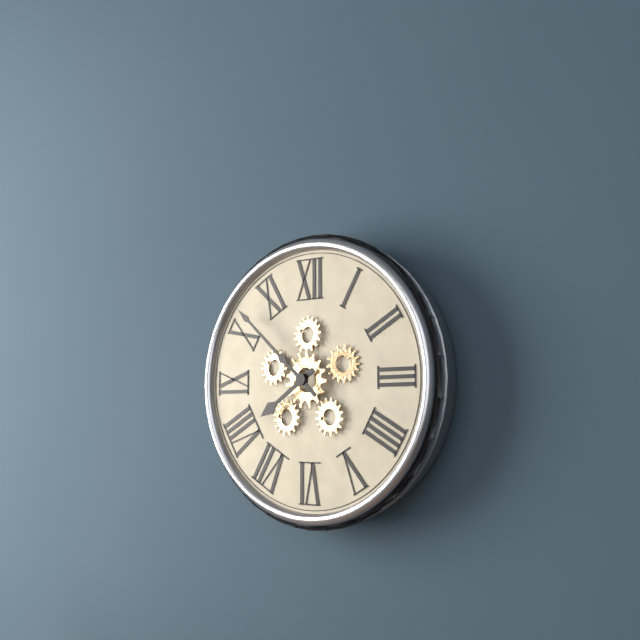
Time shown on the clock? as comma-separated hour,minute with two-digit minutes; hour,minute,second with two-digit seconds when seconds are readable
7,52
